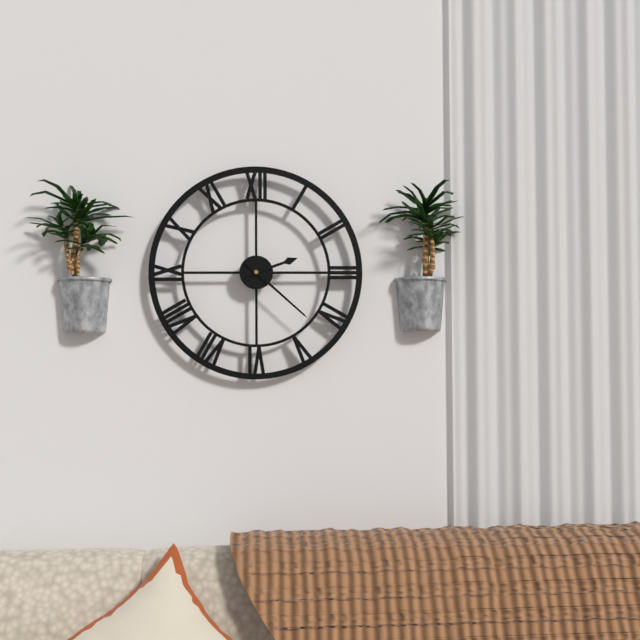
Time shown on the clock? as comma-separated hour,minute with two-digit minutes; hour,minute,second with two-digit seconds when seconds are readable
2,22
